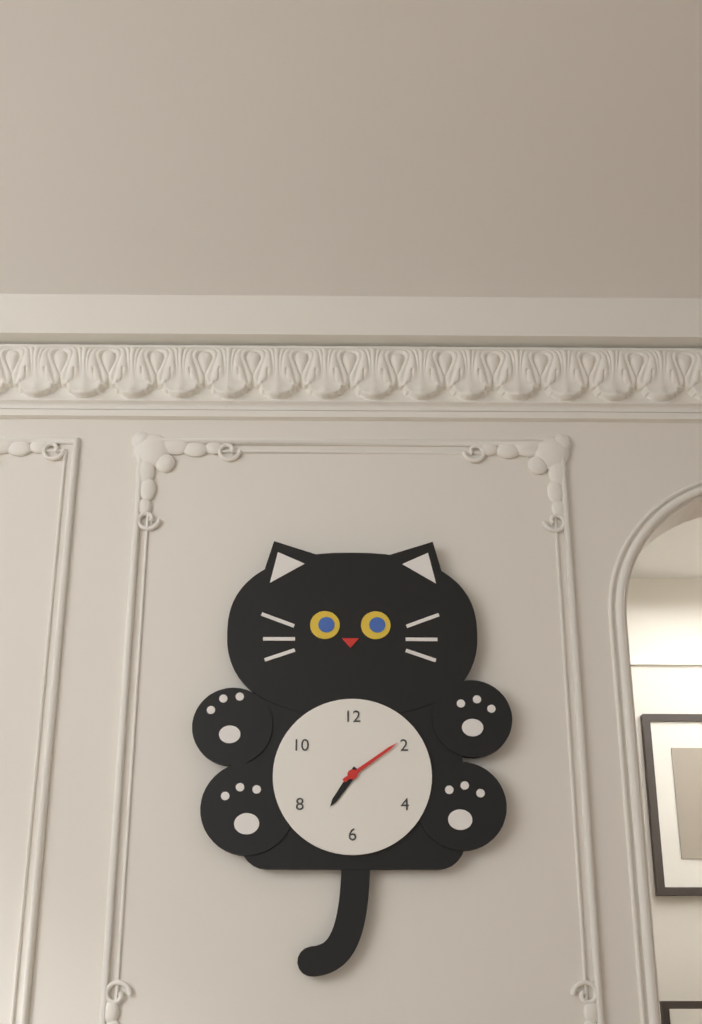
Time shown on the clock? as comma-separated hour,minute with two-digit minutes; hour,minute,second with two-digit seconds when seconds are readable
7,09
